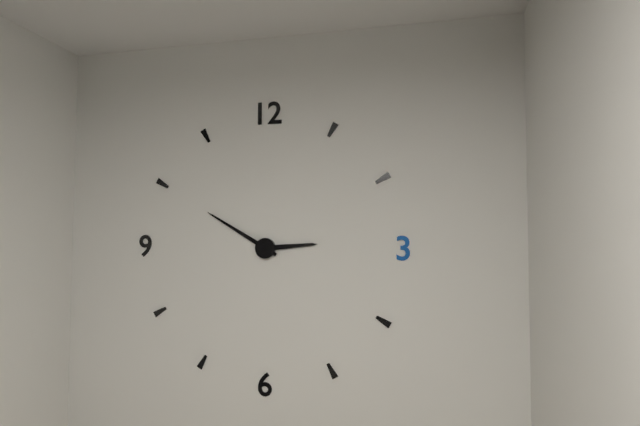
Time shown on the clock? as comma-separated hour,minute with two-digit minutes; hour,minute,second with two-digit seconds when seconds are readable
2,50
